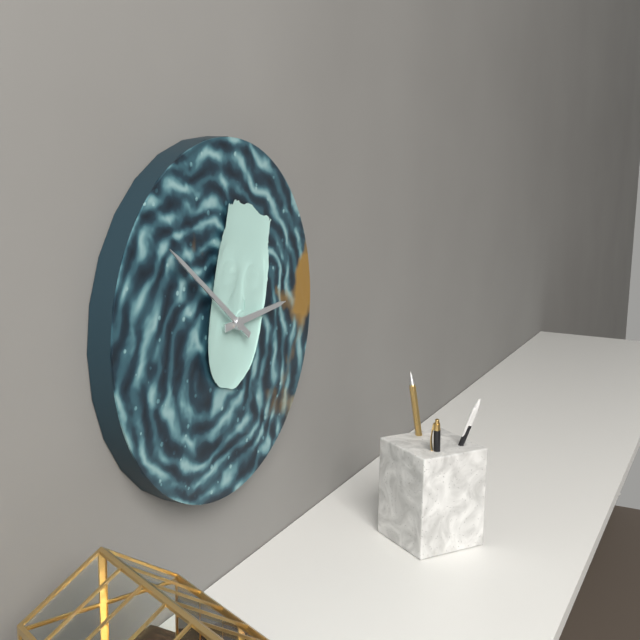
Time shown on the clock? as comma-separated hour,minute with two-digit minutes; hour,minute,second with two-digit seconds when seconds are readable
2,51
